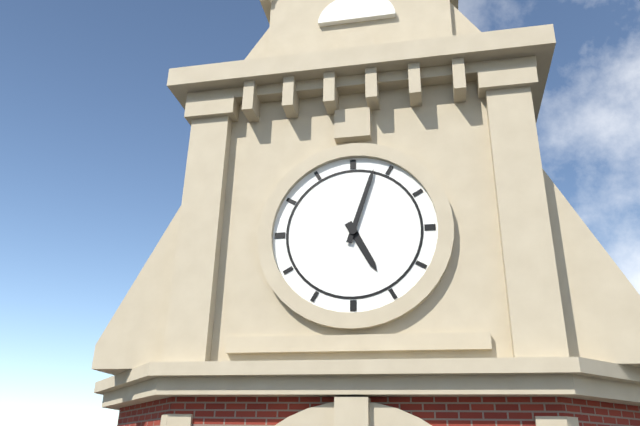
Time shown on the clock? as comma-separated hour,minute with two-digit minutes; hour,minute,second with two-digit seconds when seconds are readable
5,03
